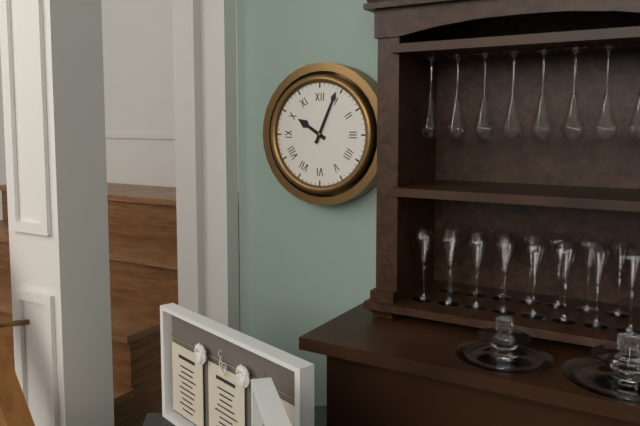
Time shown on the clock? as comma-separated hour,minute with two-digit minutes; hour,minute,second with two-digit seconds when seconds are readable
10,04
